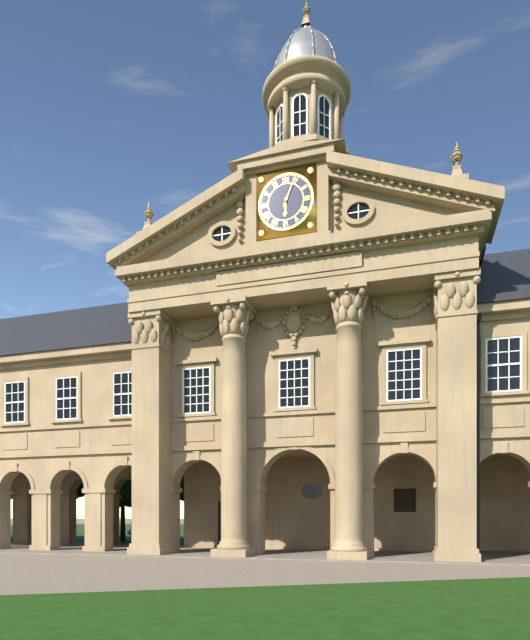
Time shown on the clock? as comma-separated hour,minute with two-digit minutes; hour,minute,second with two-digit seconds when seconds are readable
6,04
